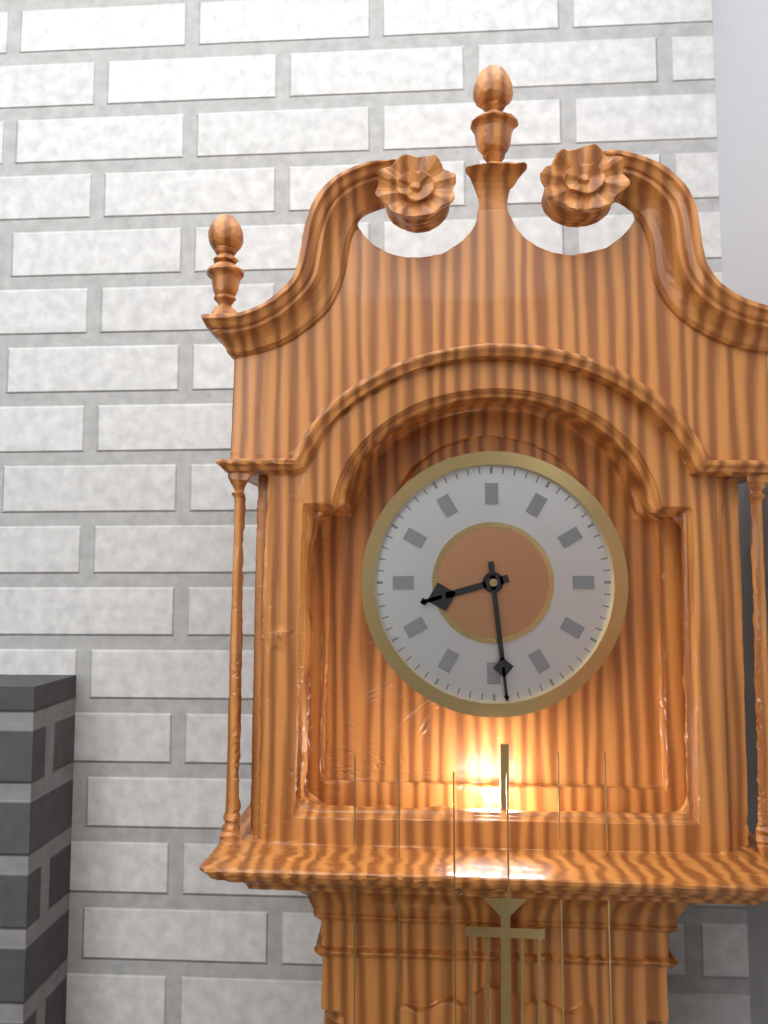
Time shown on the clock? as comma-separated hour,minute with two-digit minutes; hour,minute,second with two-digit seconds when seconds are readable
8,29
